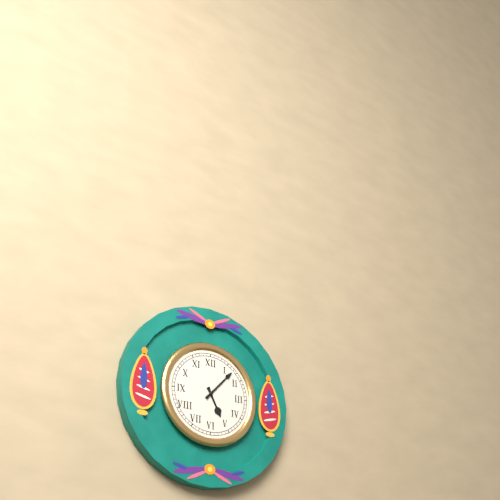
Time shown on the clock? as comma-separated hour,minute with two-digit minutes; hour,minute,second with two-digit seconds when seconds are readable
5,07
